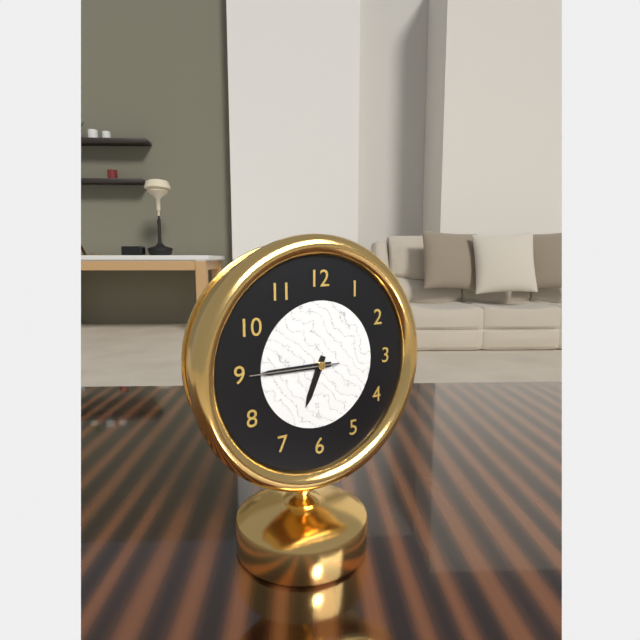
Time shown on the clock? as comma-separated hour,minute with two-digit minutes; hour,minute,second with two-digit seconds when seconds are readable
6,45,45
